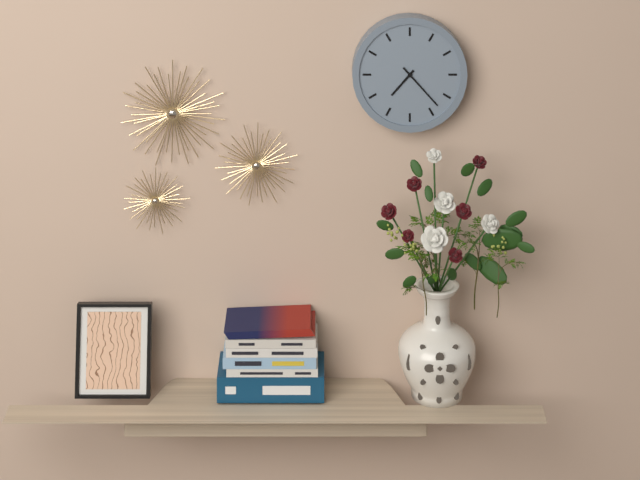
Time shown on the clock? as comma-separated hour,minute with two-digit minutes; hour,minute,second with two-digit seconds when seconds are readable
7,23
